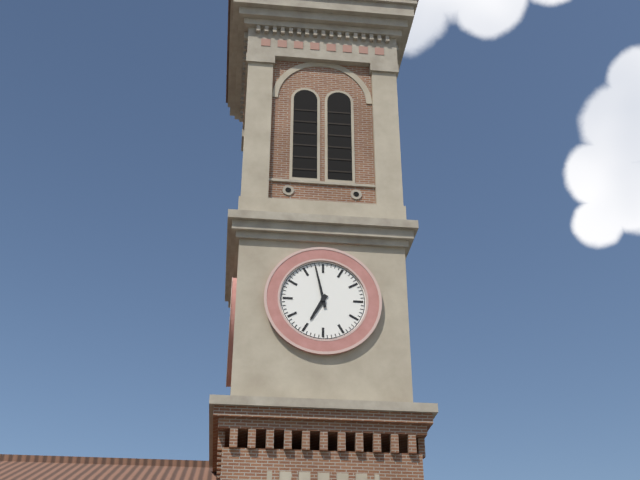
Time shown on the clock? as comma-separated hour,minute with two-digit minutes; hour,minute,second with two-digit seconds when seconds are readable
6,58
